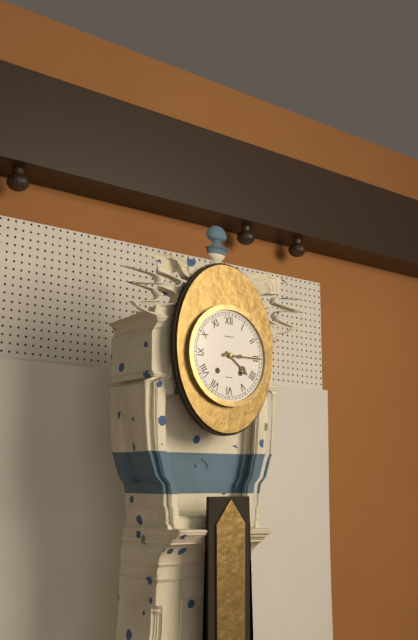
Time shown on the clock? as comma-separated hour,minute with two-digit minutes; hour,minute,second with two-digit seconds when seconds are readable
4,15
